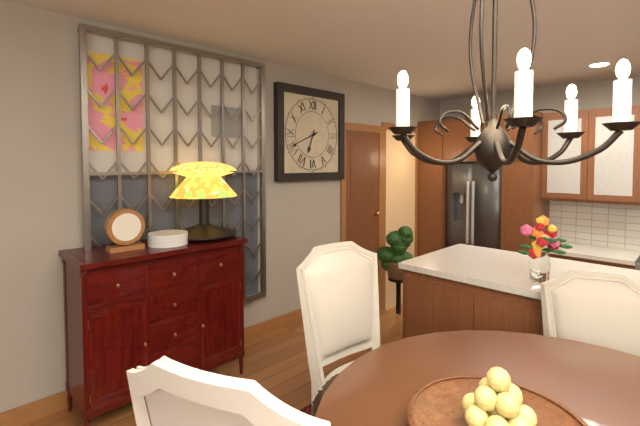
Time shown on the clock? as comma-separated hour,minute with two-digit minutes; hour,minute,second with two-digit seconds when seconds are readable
6,41
